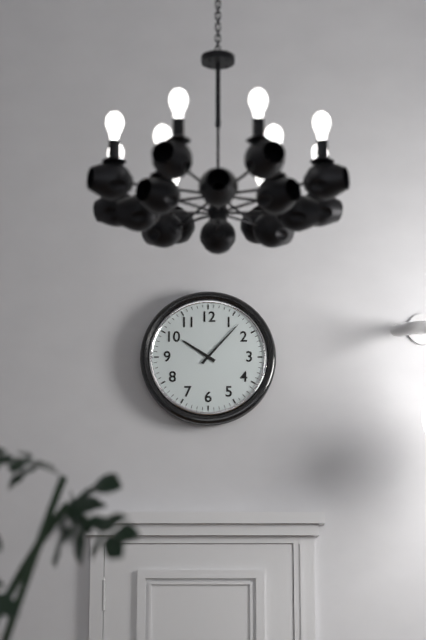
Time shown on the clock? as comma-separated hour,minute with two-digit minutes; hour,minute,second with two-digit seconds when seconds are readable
10,07
